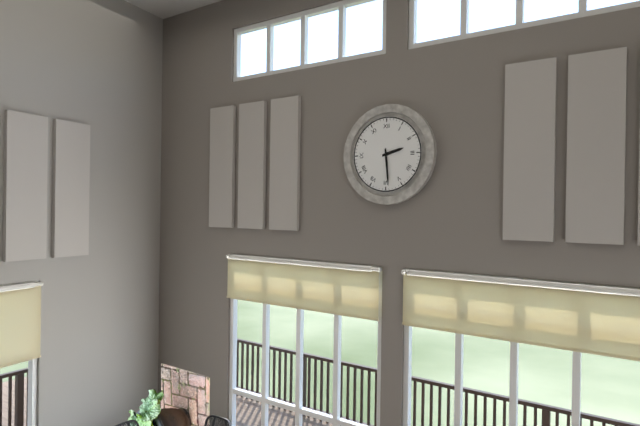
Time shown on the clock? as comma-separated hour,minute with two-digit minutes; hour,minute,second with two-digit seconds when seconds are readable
2,29
